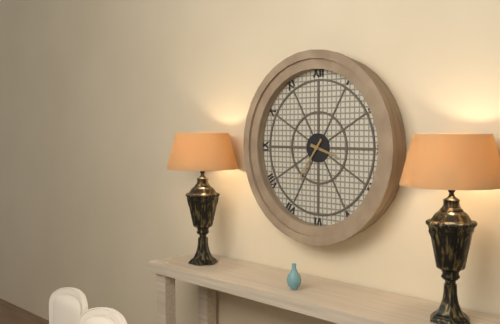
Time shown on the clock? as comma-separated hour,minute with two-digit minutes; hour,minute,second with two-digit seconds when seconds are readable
3,36
